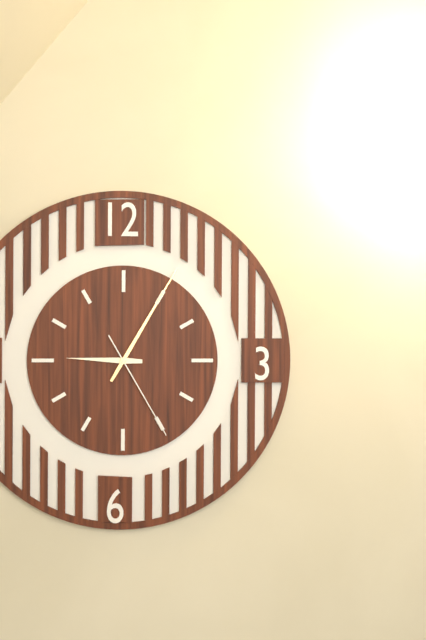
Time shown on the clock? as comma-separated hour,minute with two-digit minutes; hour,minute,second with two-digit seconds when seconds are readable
9,05,25
